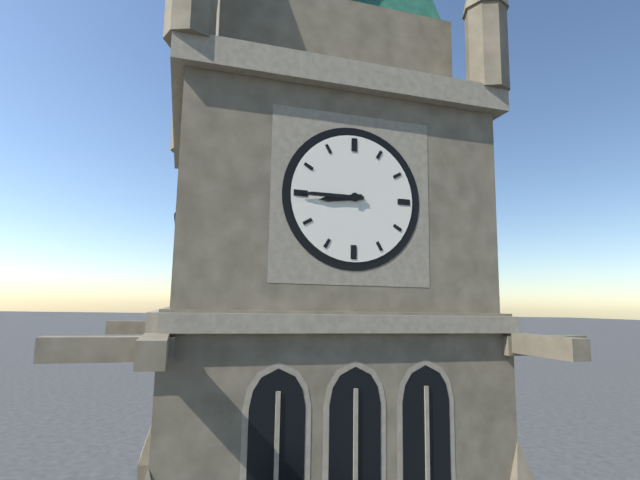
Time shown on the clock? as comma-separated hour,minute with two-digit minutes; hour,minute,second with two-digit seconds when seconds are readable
8,45
